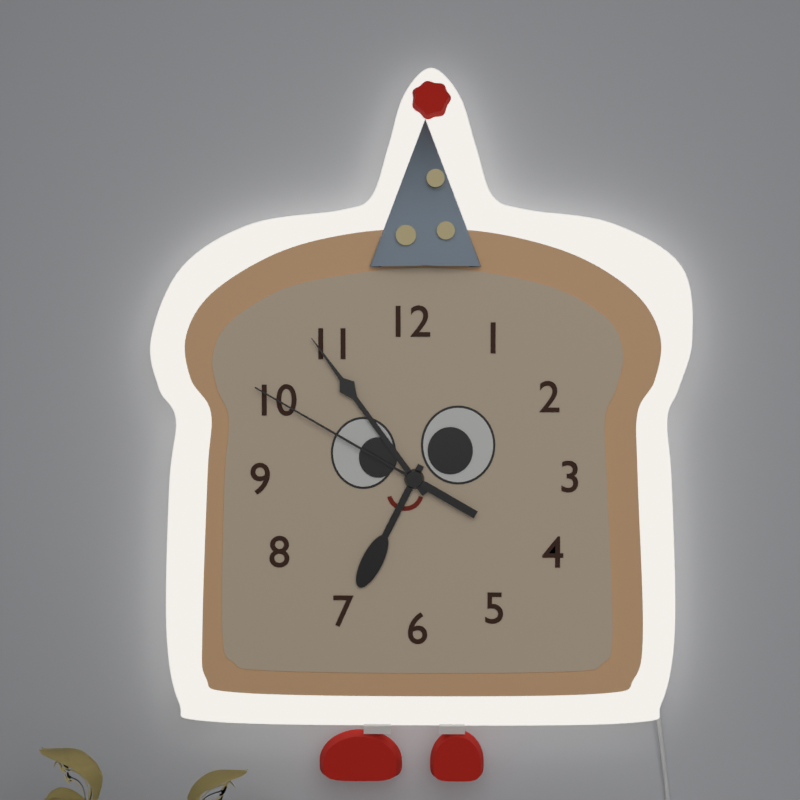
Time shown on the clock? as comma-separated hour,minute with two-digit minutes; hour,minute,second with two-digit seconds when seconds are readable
6,54,50
